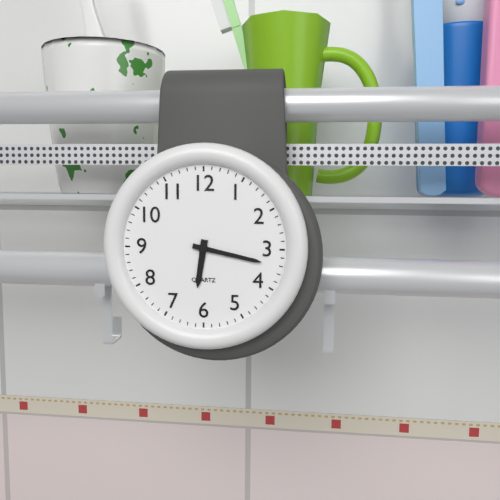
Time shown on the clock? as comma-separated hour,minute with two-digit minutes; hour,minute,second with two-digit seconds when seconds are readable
6,17
